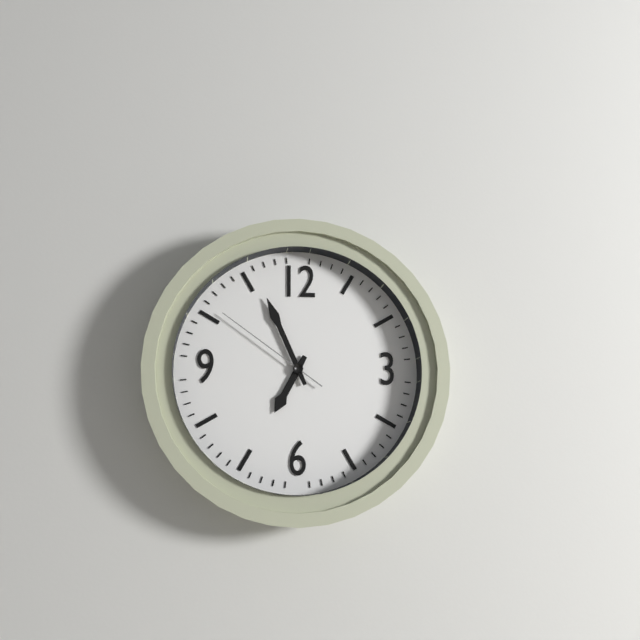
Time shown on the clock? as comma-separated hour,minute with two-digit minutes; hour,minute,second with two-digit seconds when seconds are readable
6,56,51
